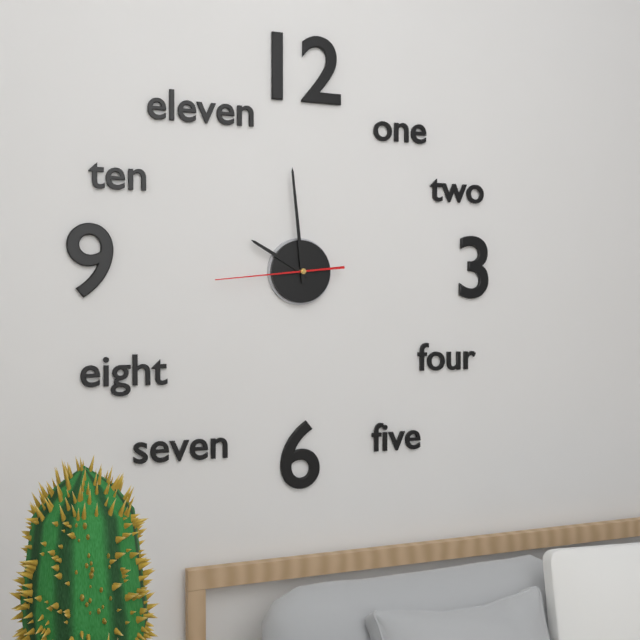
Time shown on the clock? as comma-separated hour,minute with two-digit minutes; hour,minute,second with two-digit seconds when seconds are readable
9,59,44
